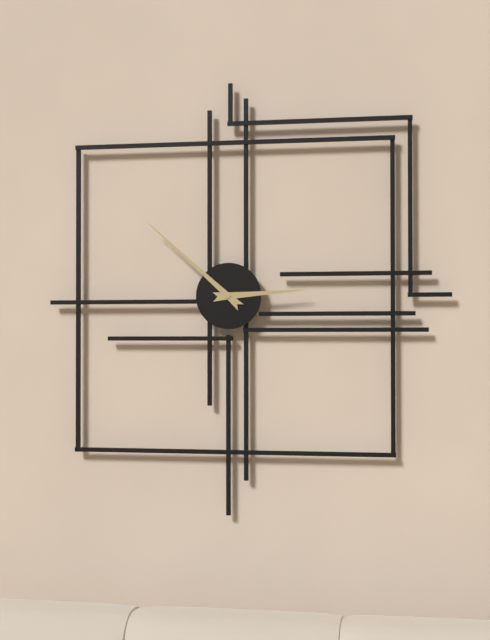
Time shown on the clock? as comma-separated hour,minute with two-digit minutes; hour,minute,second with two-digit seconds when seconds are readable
2,52
